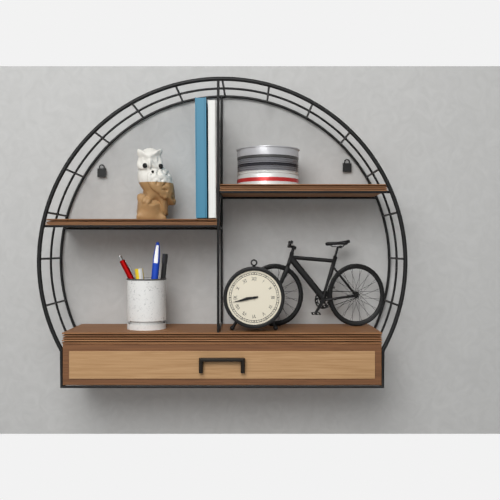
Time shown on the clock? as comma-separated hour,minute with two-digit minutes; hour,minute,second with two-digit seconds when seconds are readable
8,43
